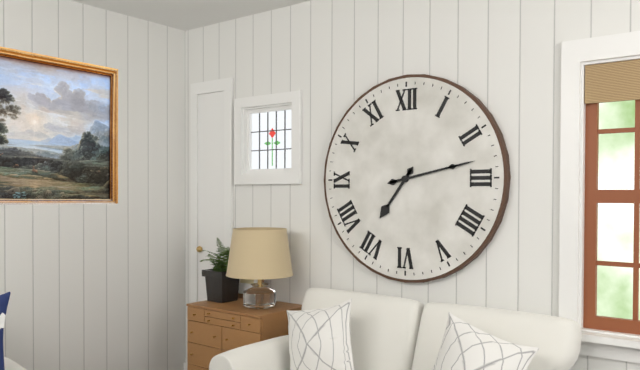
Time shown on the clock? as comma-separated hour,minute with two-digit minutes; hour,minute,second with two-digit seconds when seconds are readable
7,13
